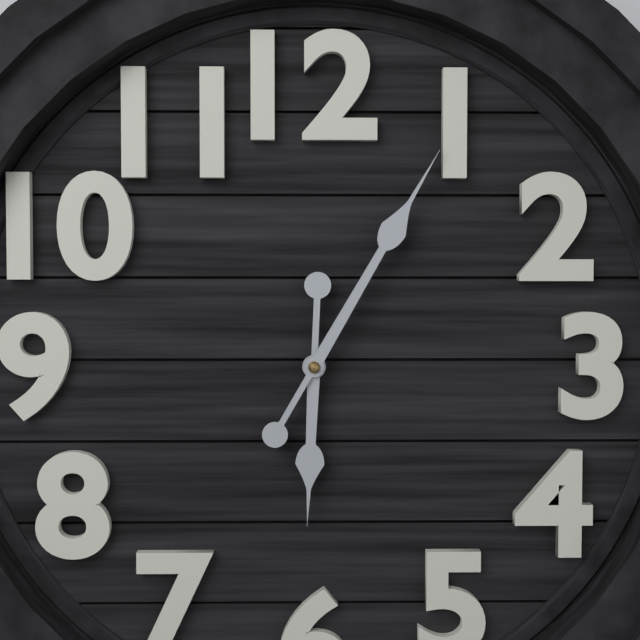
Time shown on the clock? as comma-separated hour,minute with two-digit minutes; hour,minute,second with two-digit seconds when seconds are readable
6,05
